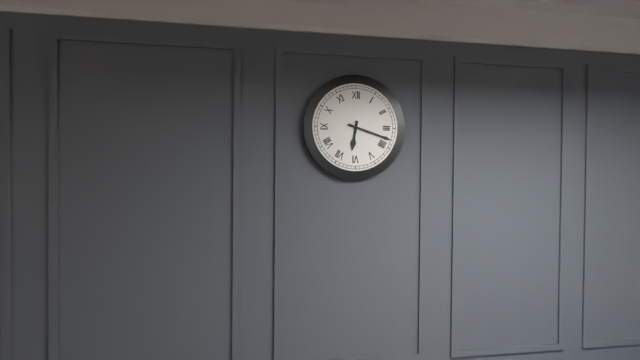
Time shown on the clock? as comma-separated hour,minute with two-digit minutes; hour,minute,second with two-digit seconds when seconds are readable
6,18
